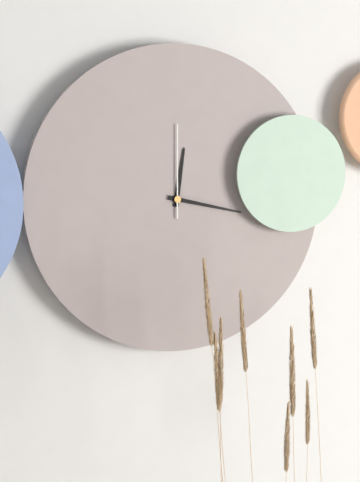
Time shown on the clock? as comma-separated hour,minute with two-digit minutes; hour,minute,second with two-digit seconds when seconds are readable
12,17,00
